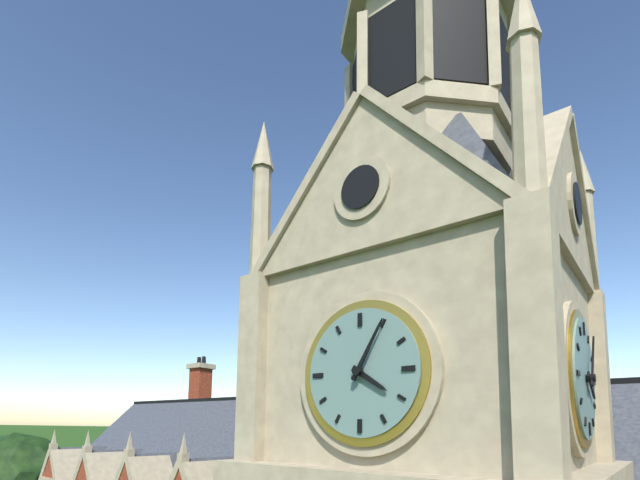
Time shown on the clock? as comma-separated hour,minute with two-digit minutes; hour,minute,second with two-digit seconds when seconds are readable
4,05
